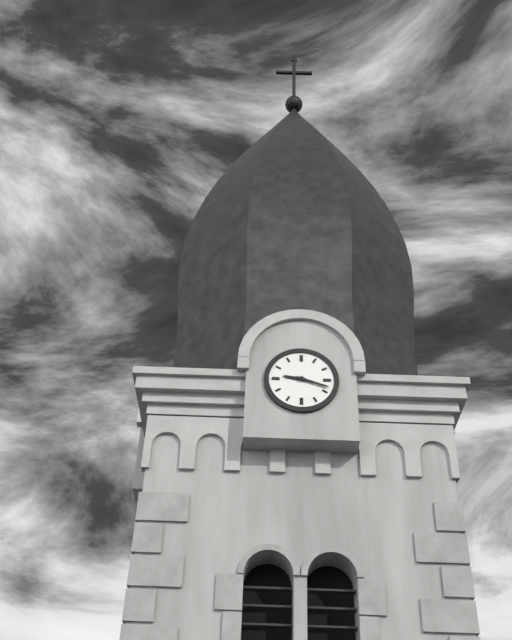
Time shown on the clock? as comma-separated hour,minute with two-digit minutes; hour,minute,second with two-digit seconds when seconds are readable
9,18
